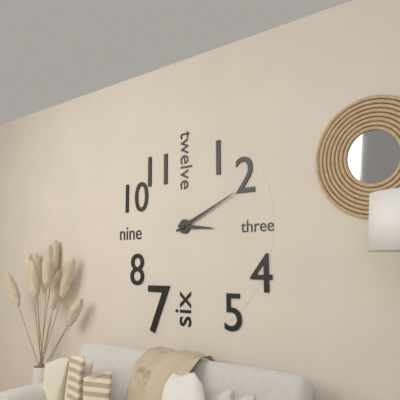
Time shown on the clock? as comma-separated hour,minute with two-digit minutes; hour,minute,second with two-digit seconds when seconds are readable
3,11
